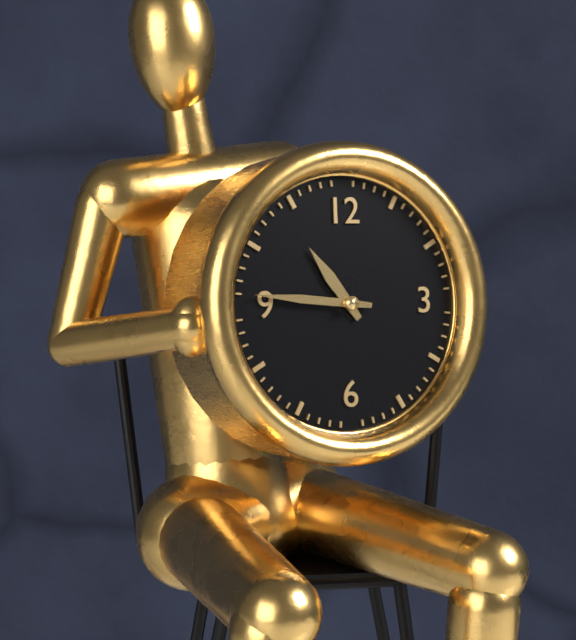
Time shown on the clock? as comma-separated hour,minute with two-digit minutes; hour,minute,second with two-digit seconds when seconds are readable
10,46
